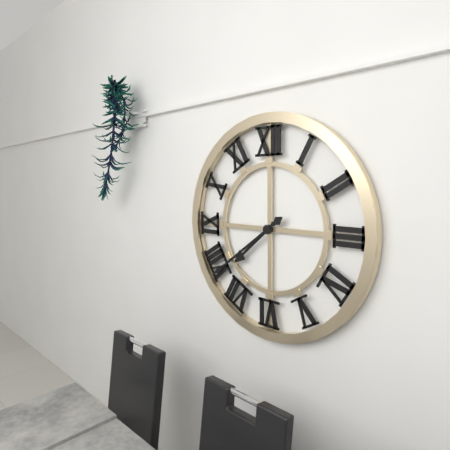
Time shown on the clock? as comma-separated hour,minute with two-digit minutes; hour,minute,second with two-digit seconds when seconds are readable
7,39
